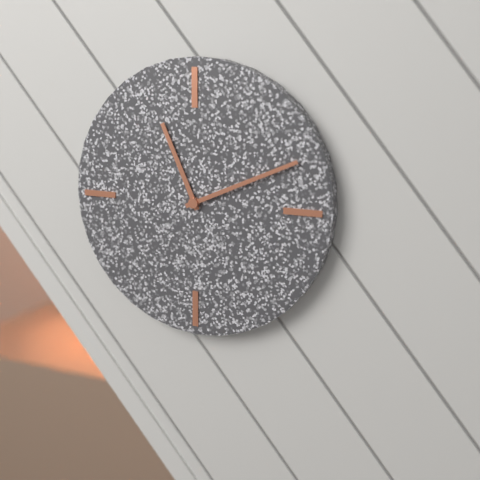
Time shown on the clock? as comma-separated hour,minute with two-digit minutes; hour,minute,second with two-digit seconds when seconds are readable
11,11
